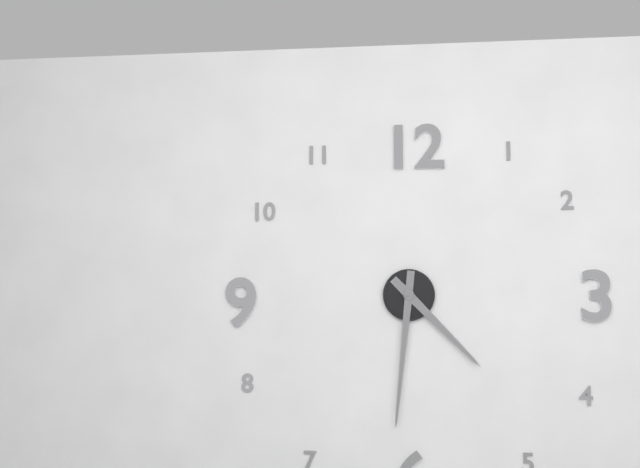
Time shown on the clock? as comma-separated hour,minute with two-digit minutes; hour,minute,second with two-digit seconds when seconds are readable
4,31
